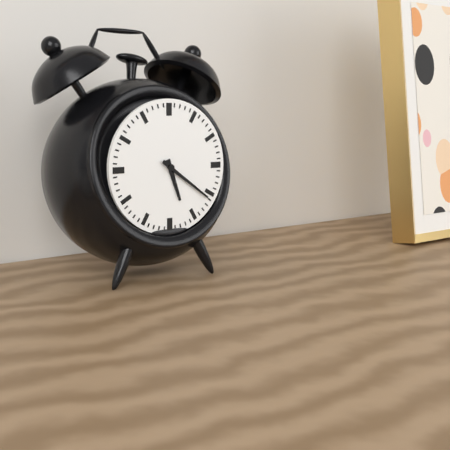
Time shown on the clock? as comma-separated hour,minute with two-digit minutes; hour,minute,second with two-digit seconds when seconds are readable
5,21
